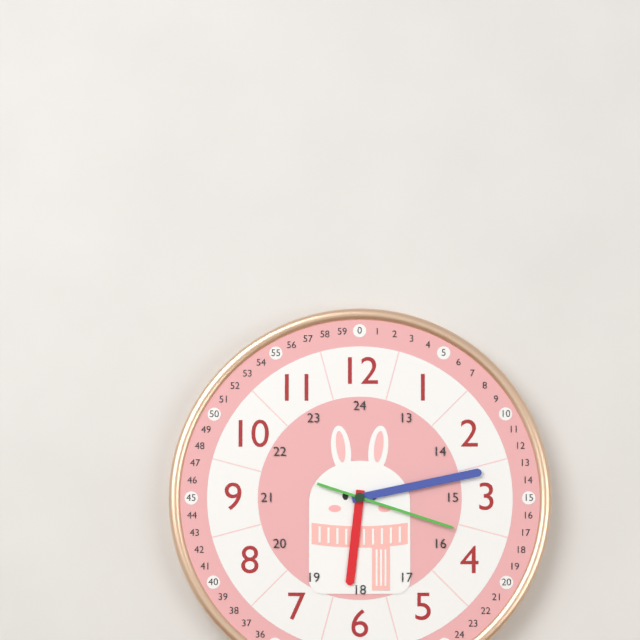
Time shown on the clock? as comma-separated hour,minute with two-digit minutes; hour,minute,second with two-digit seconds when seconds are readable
6,13,18
